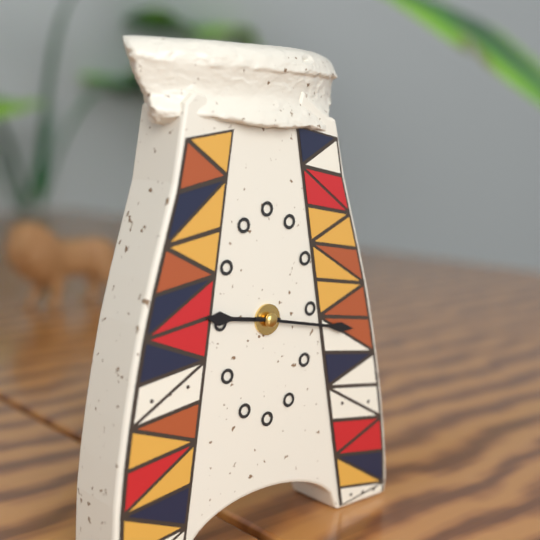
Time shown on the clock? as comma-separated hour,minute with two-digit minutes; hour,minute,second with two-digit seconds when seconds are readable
9,17
